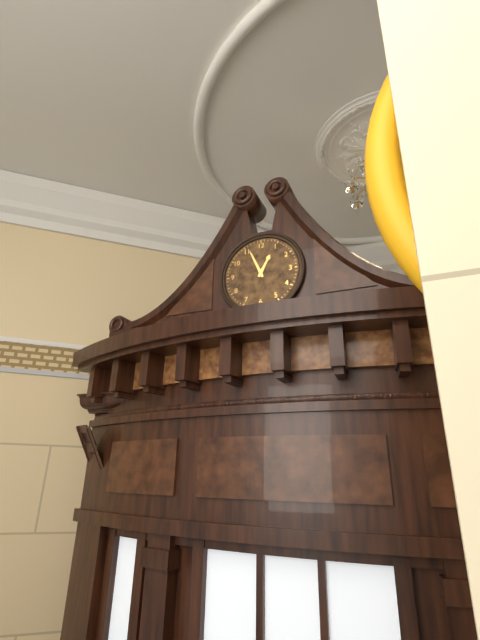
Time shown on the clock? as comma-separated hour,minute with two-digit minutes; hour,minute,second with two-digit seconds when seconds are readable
12,56
